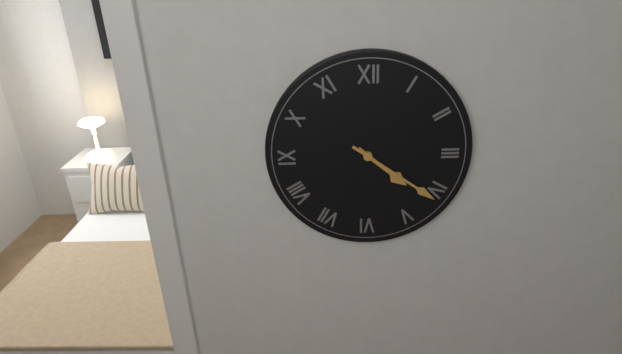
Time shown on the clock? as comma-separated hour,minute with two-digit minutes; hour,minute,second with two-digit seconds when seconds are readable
4,21
